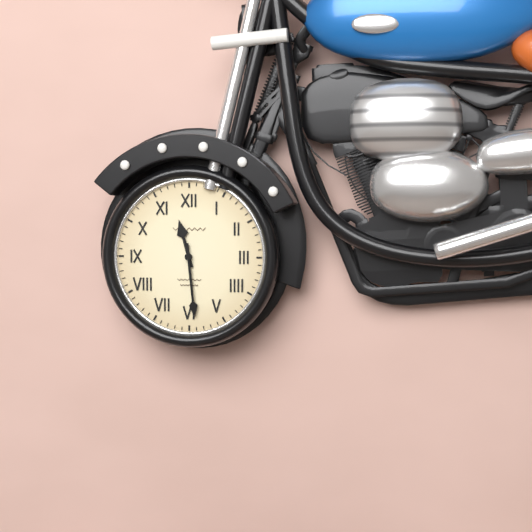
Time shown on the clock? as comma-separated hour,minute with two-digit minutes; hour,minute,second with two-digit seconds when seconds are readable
11,29
